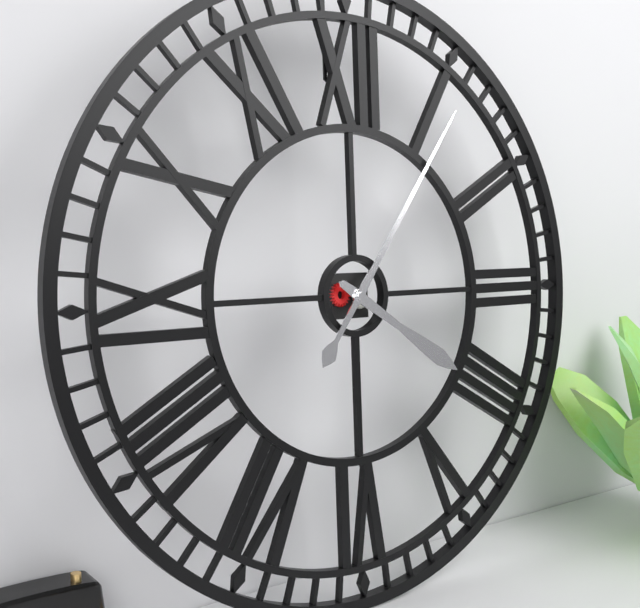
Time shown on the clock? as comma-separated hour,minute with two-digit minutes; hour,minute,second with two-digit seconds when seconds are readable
4,06
